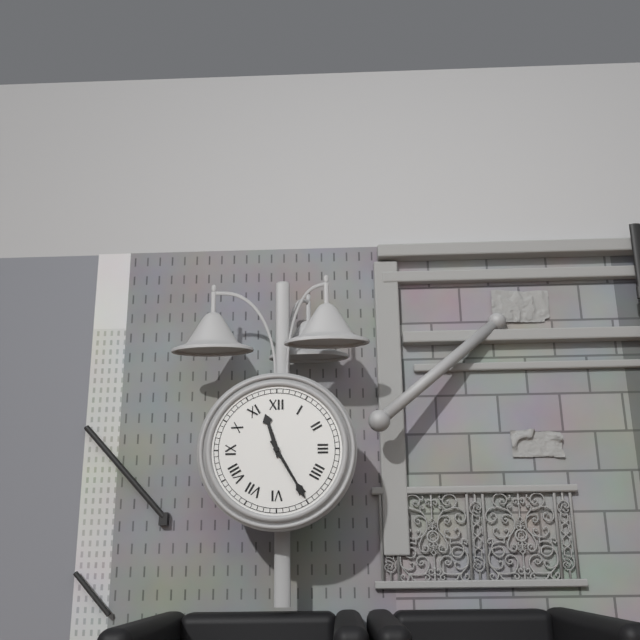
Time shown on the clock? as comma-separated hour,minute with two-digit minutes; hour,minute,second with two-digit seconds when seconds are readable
11,25
